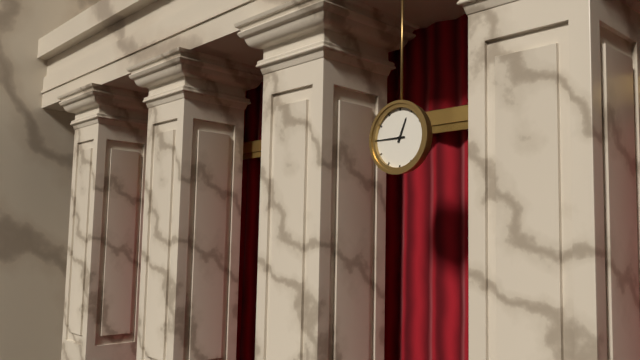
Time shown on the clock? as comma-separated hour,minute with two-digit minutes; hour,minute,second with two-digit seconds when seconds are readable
12,45
